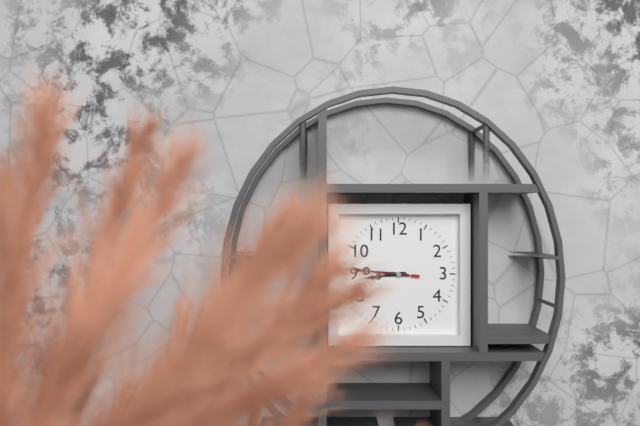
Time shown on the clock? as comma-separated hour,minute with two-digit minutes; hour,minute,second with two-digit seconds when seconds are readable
8,46,46
